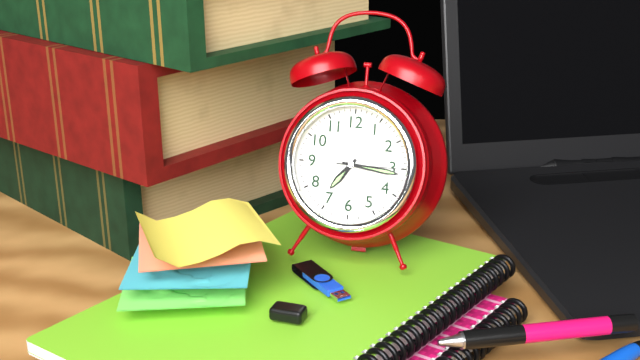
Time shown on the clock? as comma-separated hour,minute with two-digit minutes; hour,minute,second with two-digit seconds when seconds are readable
7,16,15
